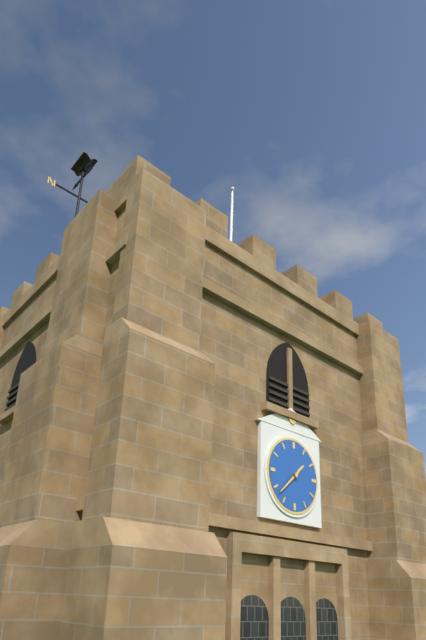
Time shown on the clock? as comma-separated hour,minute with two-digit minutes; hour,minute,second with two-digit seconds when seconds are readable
1,38
